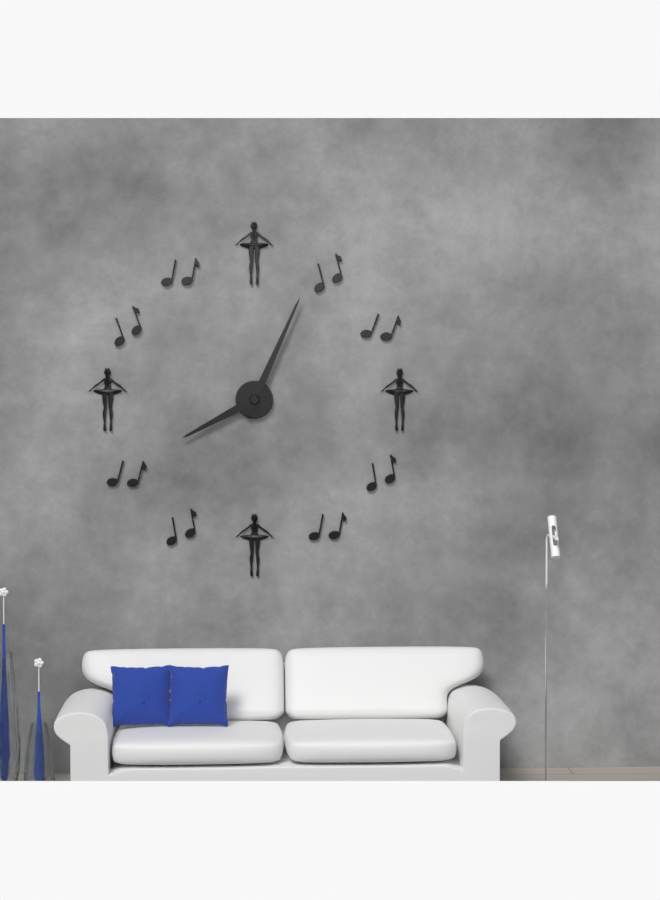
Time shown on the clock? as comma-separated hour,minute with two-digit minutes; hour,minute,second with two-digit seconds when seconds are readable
8,04
